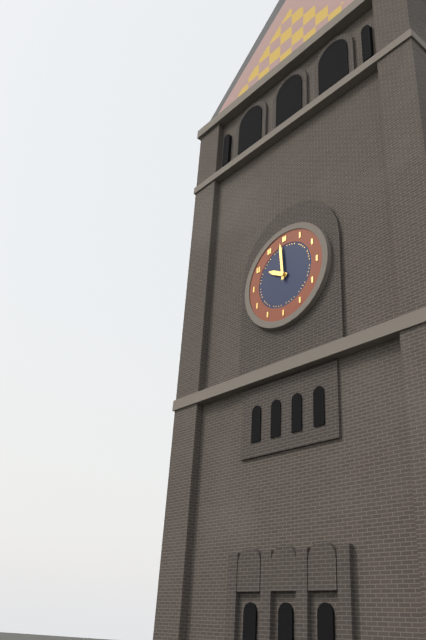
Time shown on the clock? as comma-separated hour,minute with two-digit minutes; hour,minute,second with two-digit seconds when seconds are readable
9,59
